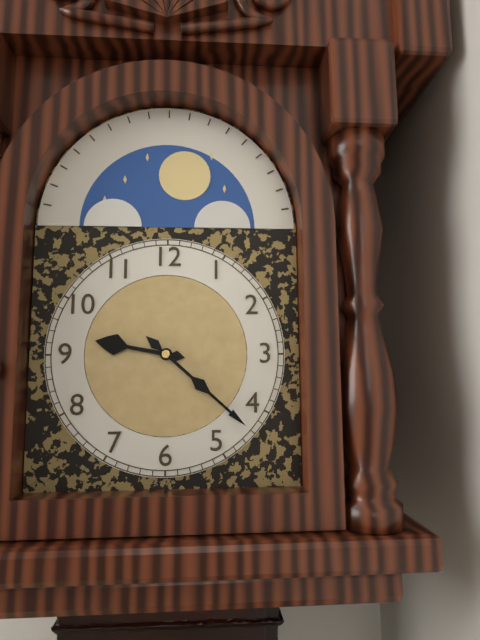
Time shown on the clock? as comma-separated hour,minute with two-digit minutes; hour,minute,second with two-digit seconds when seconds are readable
9,22
